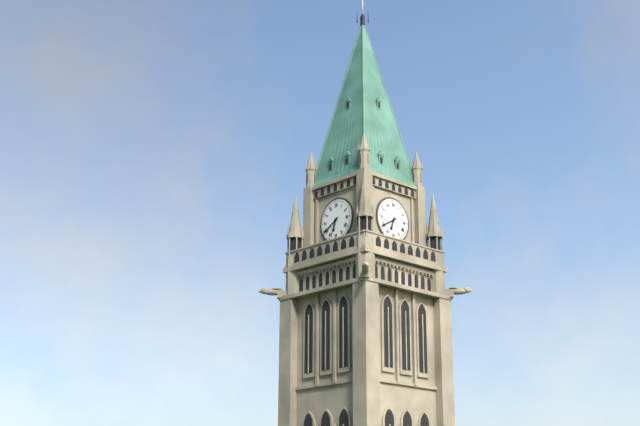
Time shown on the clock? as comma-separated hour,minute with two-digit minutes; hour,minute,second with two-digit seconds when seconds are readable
6,40
